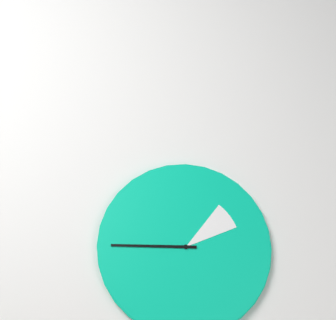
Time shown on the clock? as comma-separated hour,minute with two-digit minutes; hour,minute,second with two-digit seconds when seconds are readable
1,45
